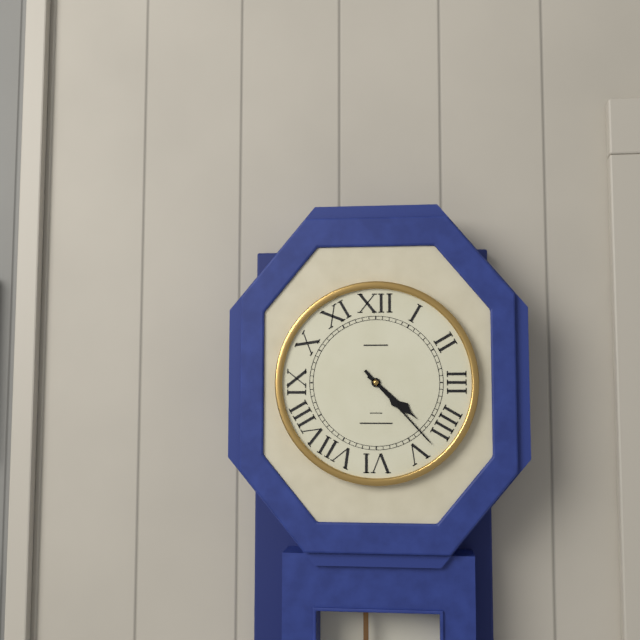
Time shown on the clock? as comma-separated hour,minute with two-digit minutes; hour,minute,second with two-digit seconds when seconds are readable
4,23
